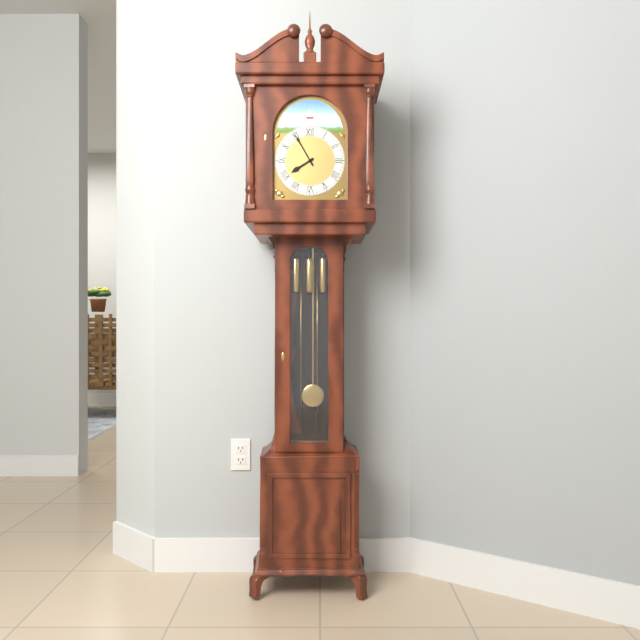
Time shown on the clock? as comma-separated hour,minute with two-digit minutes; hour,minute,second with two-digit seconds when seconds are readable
7,55
